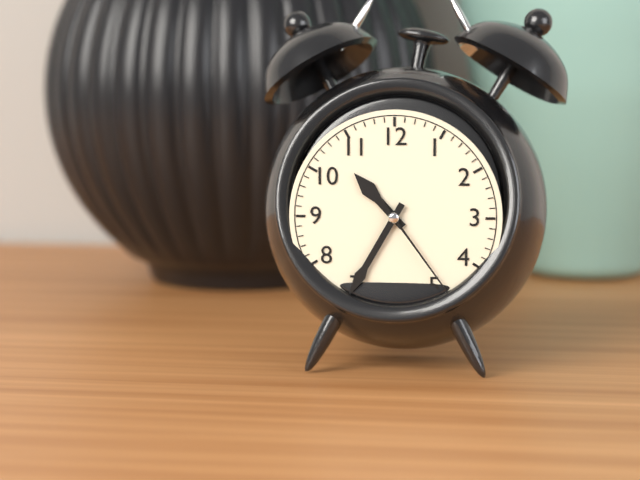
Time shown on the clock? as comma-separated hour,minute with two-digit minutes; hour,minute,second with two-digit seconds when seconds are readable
10,35,24
